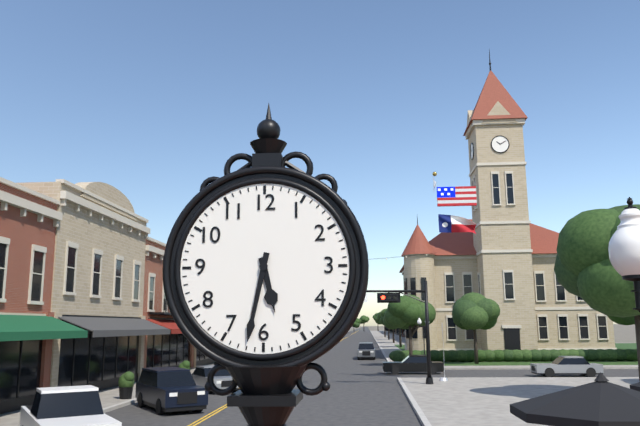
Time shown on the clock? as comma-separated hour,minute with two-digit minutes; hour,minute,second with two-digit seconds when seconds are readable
5,32
